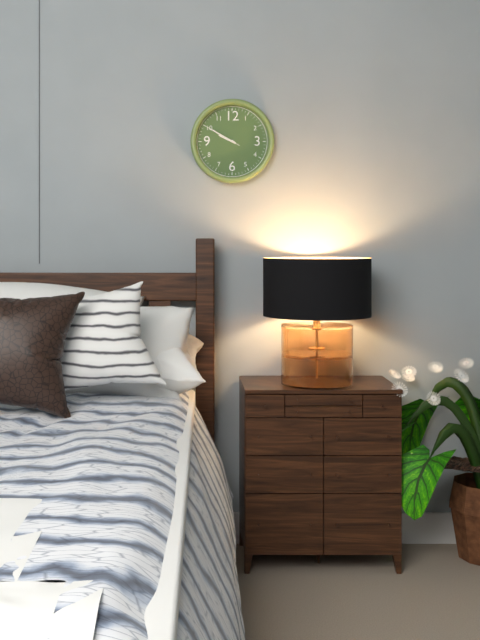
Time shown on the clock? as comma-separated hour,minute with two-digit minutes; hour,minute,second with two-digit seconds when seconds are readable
9,50
